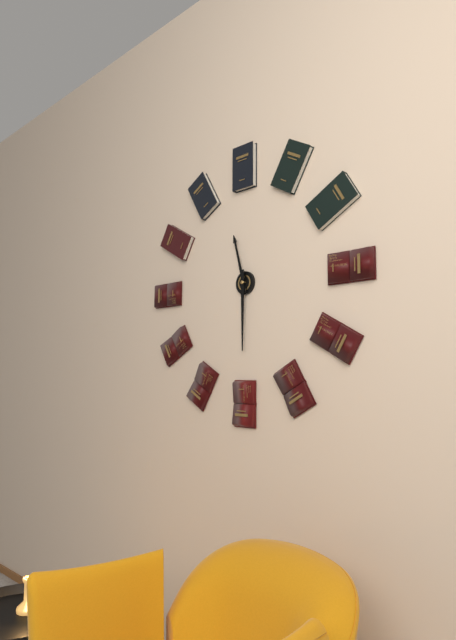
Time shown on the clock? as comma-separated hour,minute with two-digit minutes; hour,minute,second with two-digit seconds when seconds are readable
11,30
